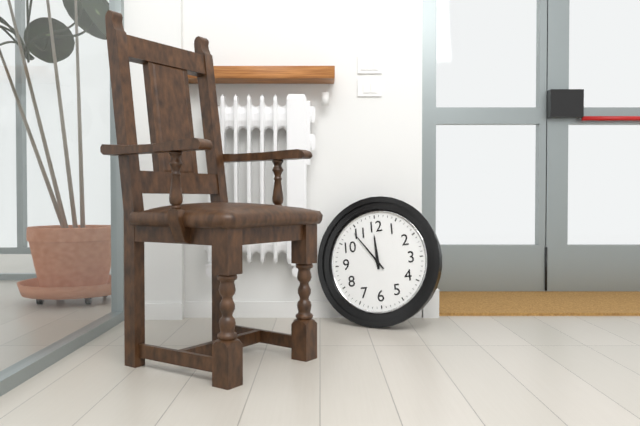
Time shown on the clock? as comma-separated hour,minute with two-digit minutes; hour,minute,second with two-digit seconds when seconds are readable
11,54
